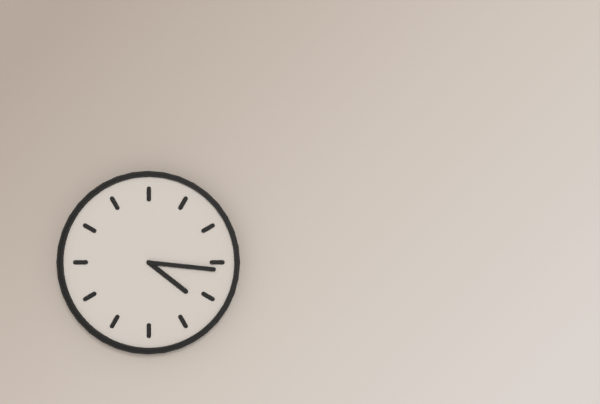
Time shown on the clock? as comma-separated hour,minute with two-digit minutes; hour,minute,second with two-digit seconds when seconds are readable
4,16
